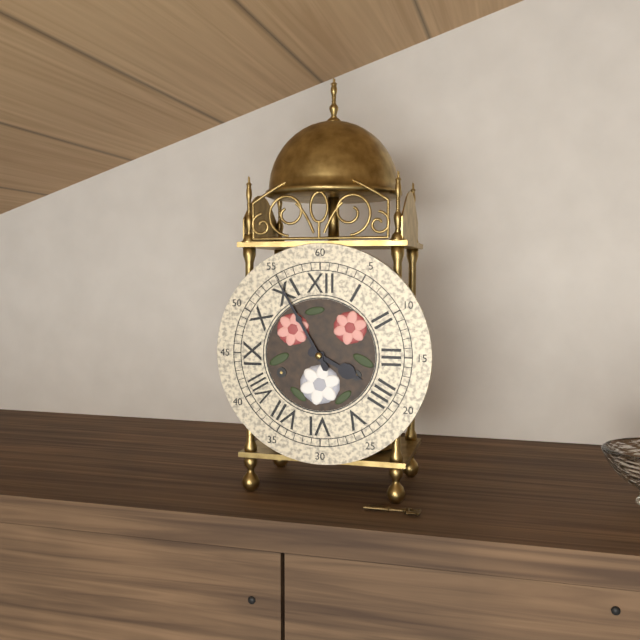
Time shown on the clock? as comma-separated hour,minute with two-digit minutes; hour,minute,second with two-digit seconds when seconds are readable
3,55
